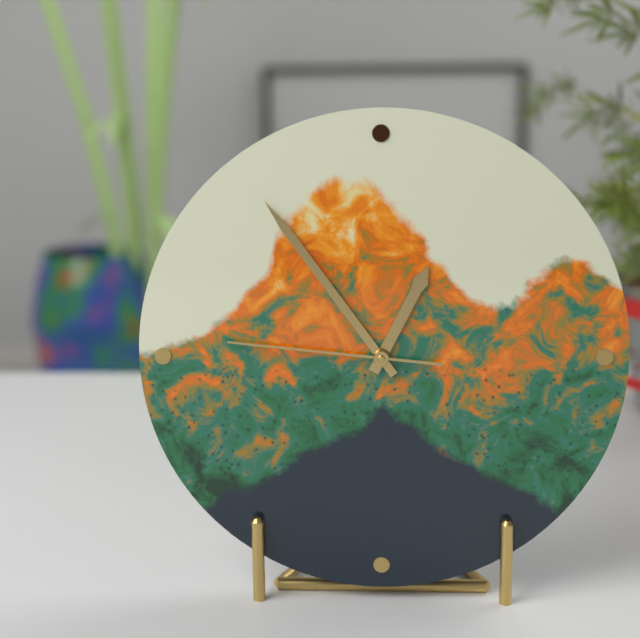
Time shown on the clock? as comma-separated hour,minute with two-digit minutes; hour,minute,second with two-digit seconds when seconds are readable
12,54,46
